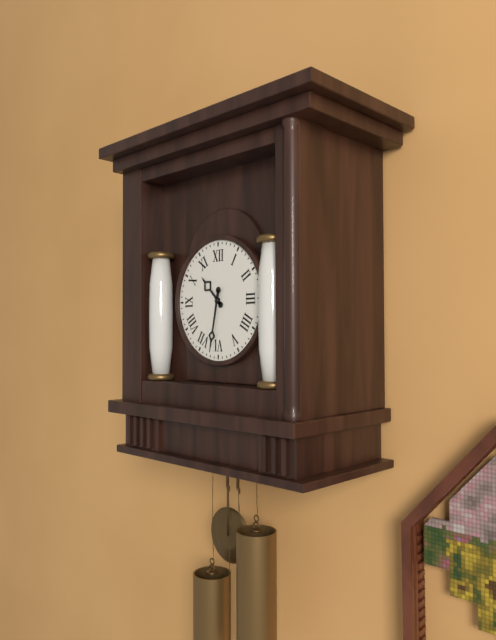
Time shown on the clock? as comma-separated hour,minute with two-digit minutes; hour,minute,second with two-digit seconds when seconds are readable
10,32
